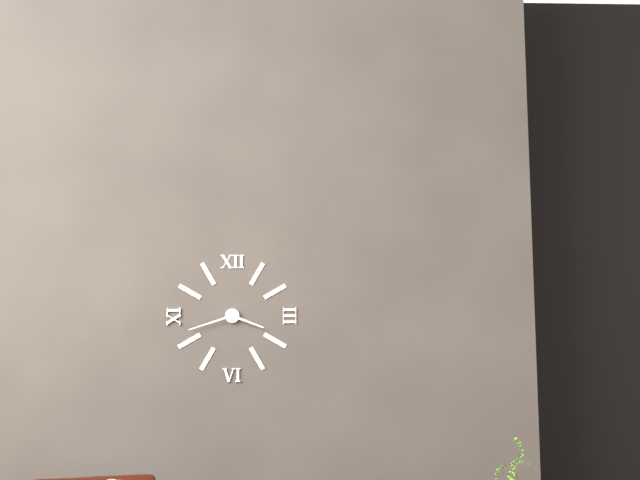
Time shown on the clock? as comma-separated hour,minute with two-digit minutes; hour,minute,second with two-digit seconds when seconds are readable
3,42
